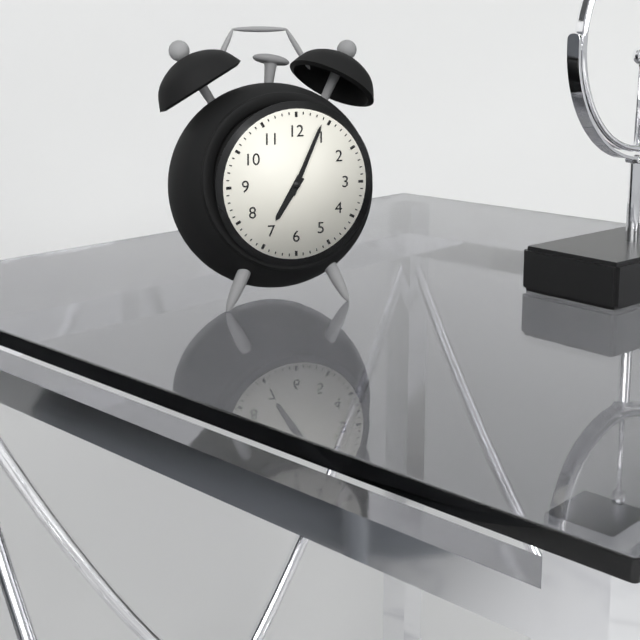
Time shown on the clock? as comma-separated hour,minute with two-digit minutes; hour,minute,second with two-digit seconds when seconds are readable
7,04
